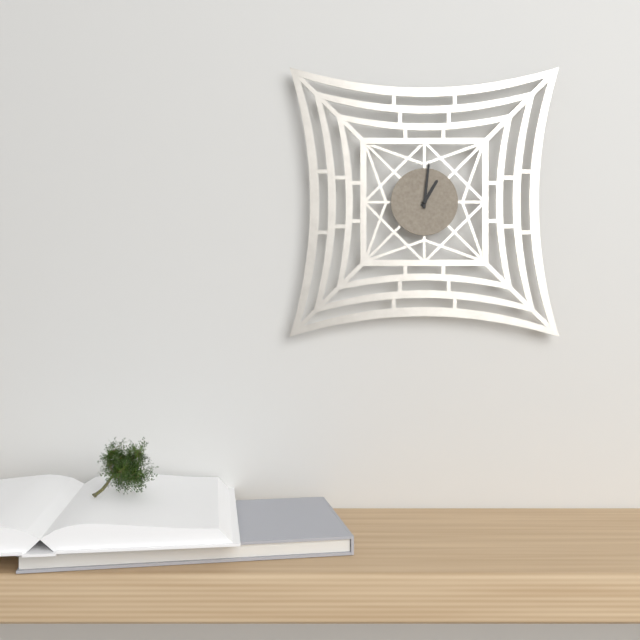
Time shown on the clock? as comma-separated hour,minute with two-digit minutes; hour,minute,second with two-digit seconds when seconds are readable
1,01
